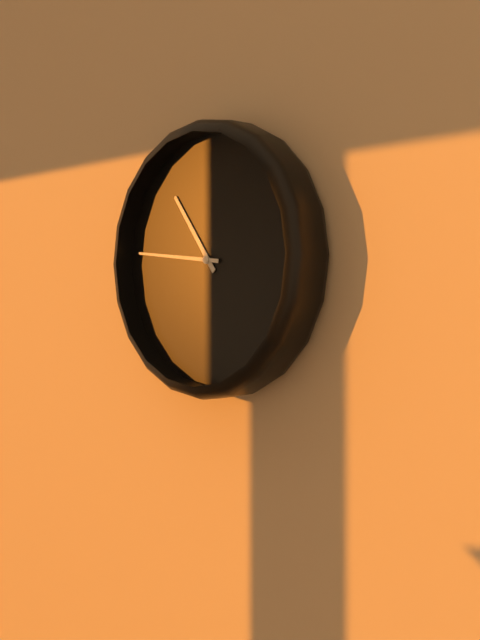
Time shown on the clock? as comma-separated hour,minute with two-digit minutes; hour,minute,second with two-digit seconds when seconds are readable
10,46
